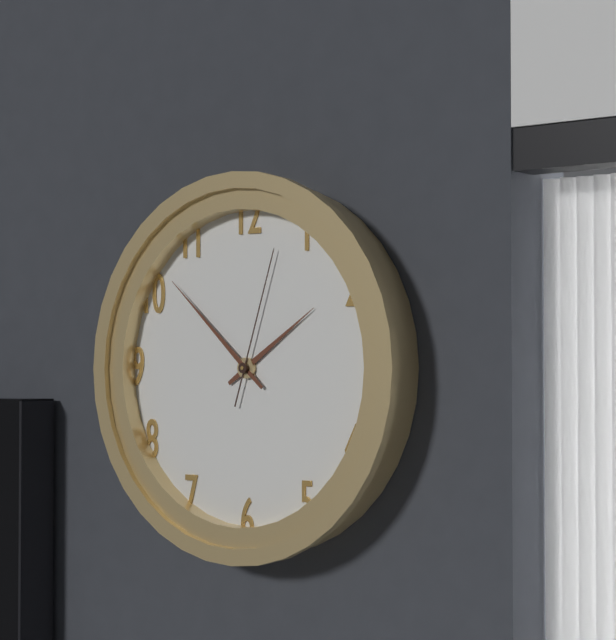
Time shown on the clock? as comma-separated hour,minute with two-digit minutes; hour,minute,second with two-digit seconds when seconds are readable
1,52,03
